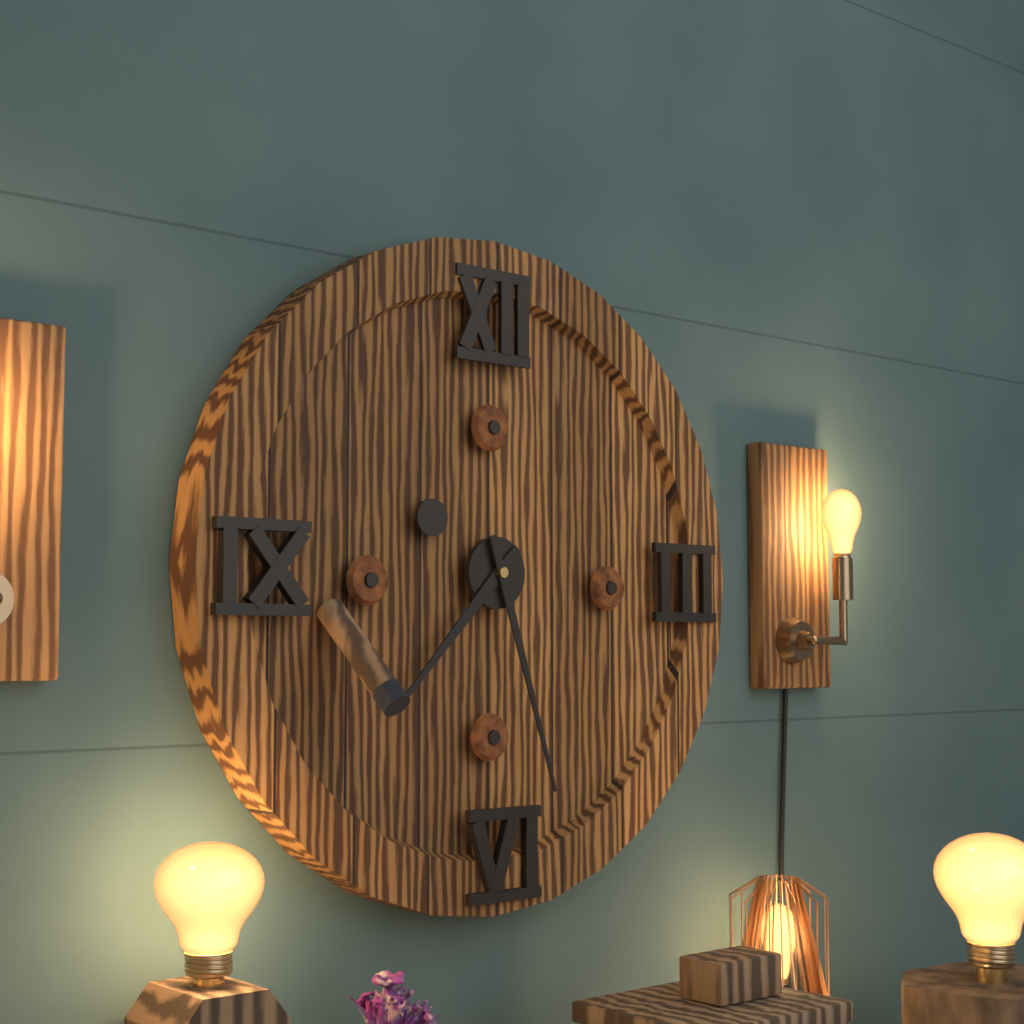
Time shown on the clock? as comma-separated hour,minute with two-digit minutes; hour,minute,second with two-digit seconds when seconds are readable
7,27
